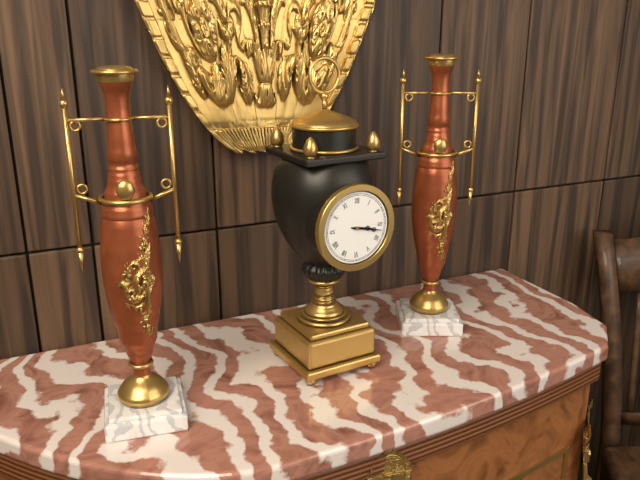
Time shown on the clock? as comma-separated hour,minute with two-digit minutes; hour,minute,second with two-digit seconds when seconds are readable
3,17
